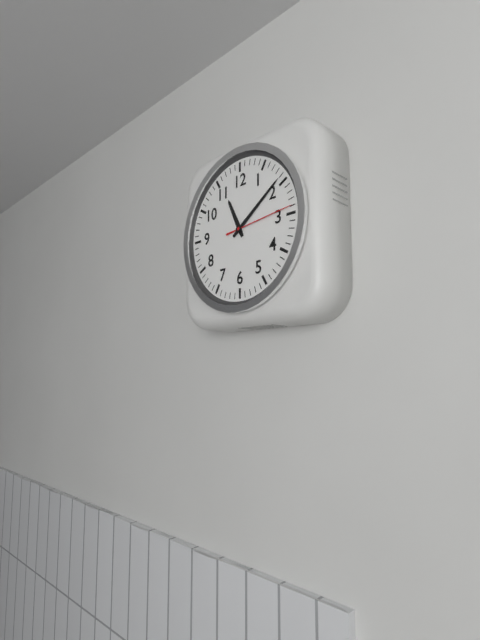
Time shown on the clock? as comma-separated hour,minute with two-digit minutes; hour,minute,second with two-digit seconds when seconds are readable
11,09,14
